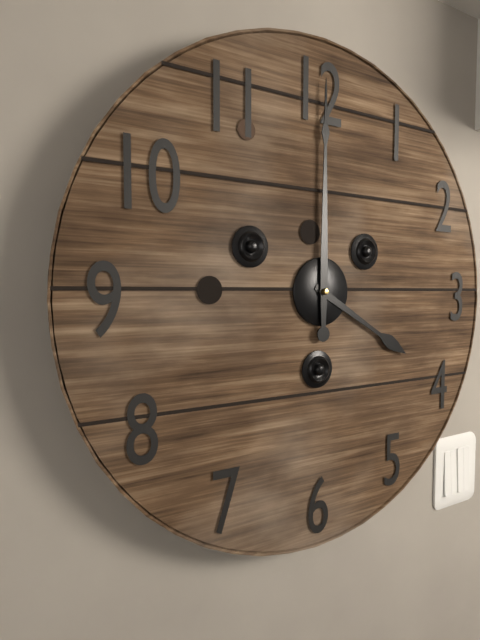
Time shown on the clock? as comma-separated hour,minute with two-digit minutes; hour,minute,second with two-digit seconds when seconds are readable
4,00
